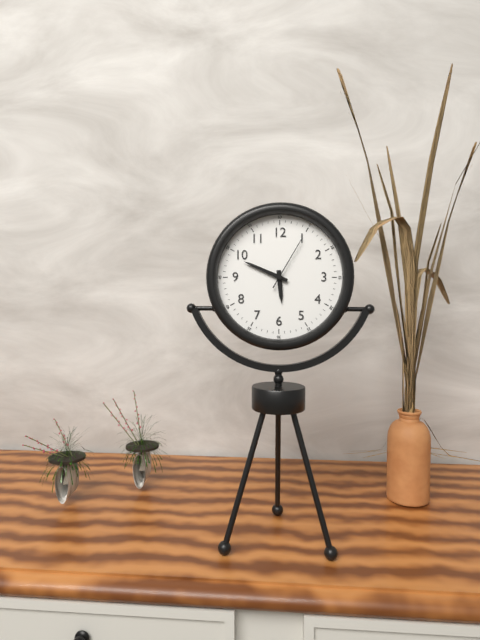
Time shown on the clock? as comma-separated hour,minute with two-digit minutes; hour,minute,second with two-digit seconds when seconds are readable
5,49,05
